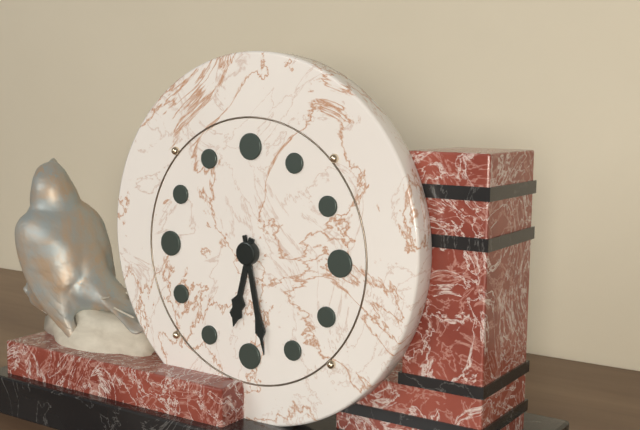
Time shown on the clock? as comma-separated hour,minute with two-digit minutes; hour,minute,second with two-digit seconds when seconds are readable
6,28
